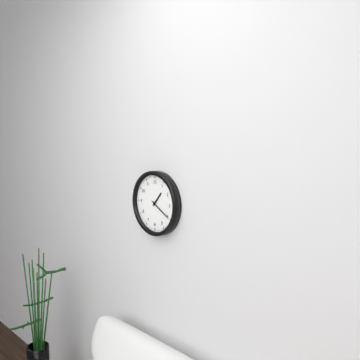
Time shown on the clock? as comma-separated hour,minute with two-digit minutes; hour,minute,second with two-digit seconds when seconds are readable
1,20
